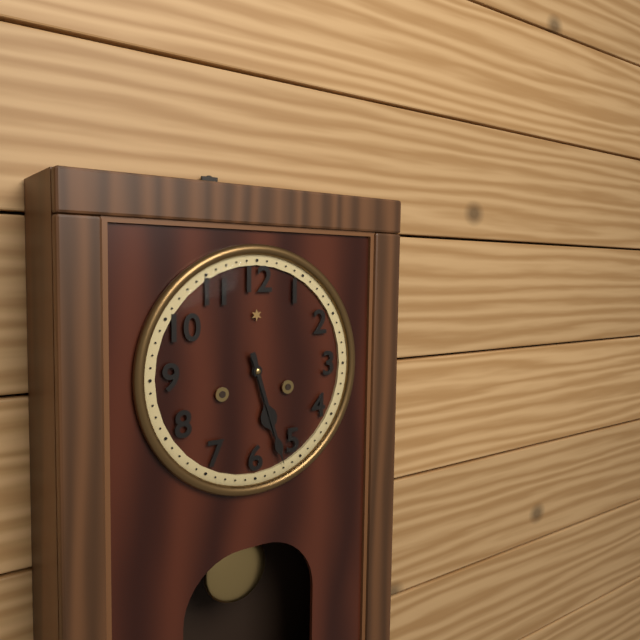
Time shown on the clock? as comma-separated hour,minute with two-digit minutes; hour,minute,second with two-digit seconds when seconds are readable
5,27
